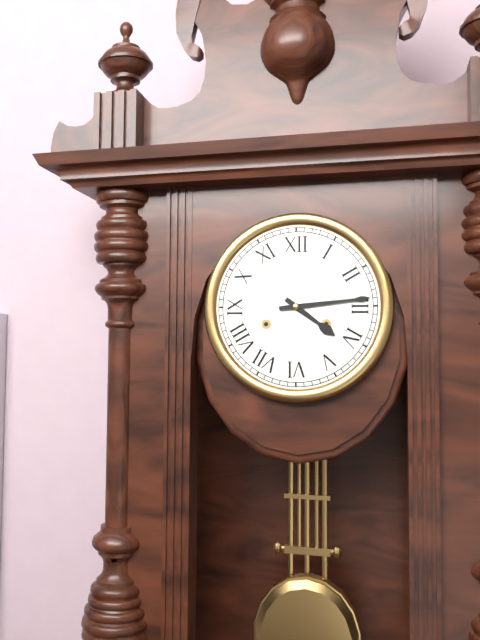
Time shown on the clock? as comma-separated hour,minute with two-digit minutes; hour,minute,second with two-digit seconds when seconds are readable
4,14
